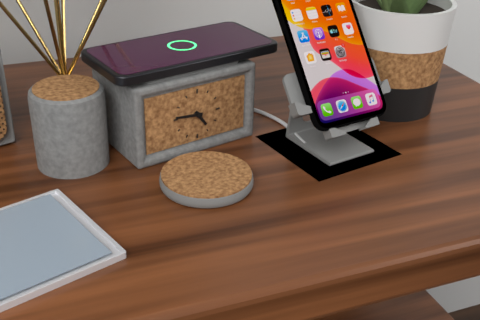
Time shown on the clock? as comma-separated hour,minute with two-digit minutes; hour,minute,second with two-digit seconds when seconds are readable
4,46
